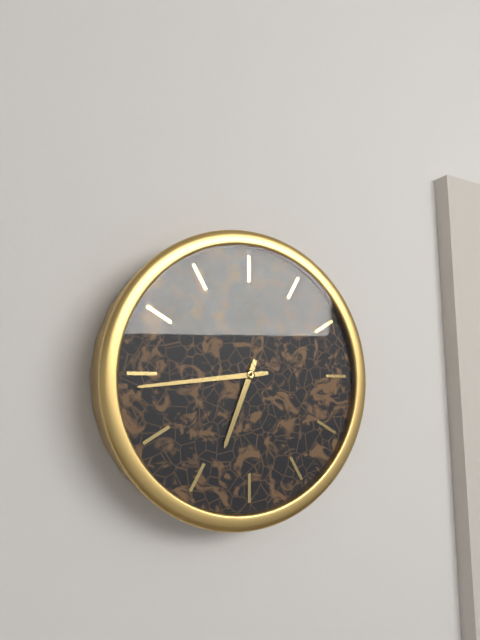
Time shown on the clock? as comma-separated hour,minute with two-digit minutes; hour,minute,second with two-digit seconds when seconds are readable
6,44
